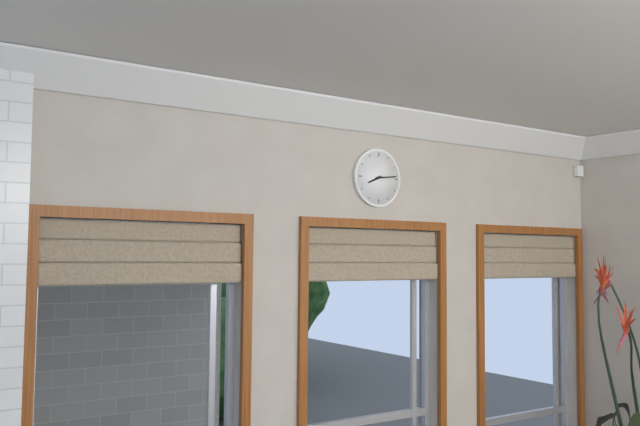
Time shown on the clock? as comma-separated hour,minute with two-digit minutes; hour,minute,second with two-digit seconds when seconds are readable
8,14
